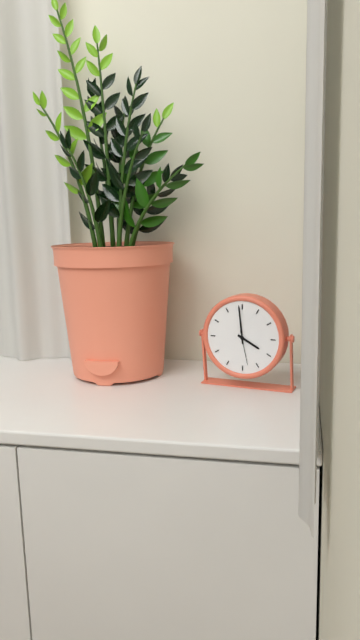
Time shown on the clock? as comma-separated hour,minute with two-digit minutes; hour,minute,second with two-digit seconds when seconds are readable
3,59
